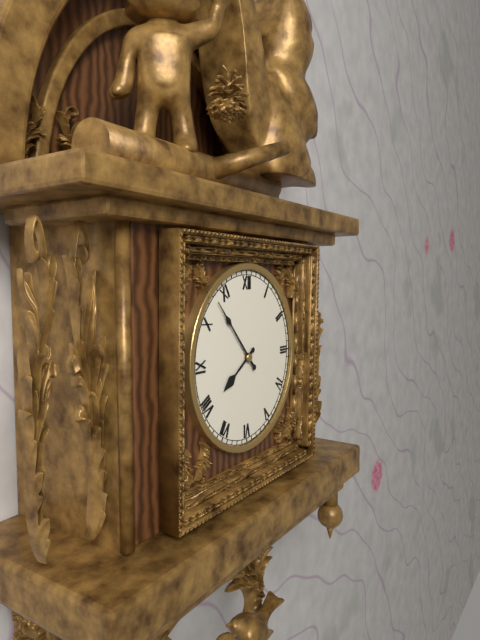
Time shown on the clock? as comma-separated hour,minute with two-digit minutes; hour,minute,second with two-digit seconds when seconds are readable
7,53
